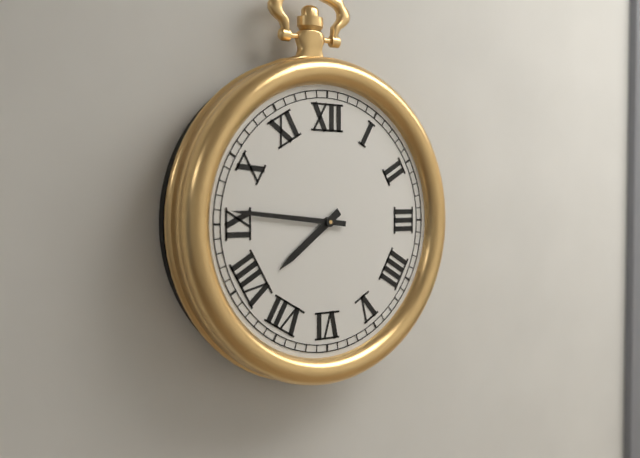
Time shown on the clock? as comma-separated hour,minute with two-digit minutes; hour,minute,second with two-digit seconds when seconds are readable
7,46
